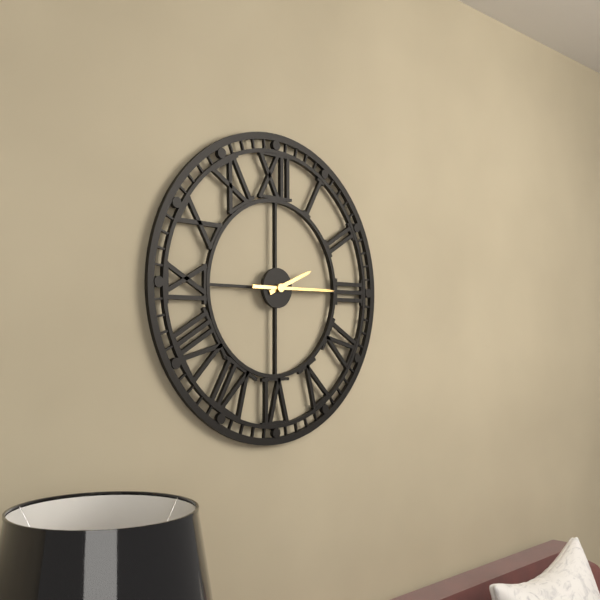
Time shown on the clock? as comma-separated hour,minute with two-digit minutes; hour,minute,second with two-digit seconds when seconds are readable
2,15
